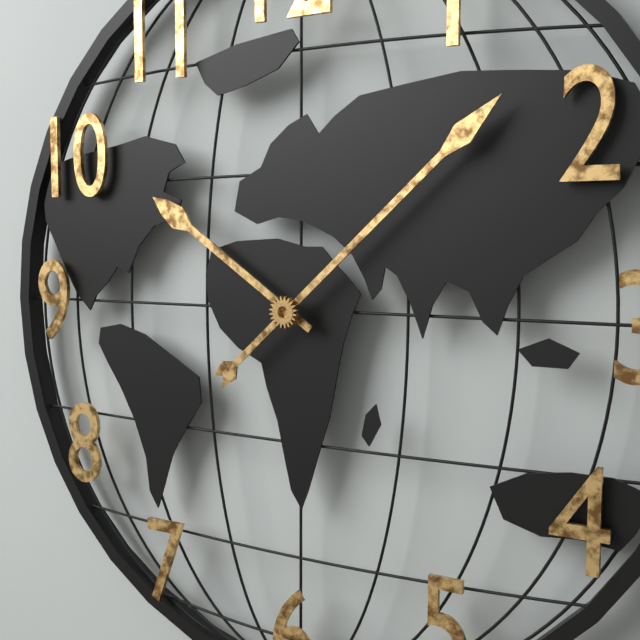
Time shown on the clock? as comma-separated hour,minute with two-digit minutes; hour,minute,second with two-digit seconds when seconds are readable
10,08
